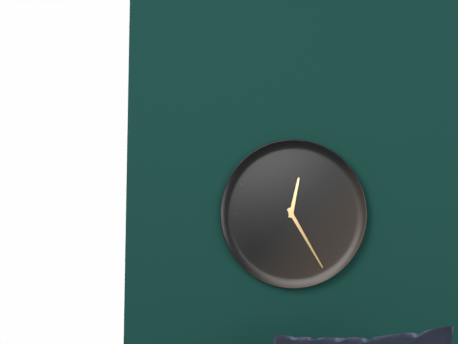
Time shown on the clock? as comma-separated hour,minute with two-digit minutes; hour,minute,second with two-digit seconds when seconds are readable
12,25
